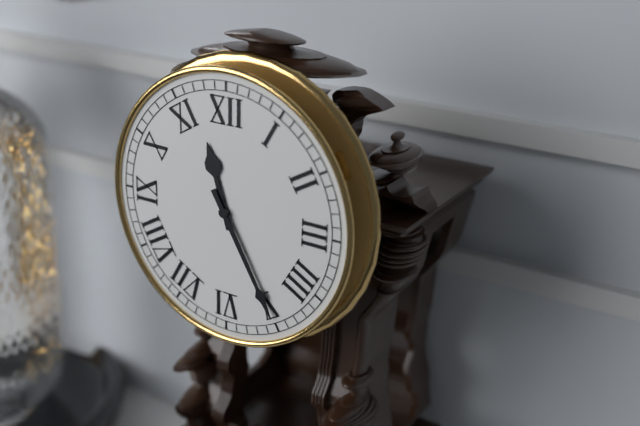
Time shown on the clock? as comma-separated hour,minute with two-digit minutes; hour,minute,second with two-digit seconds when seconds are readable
11,25
